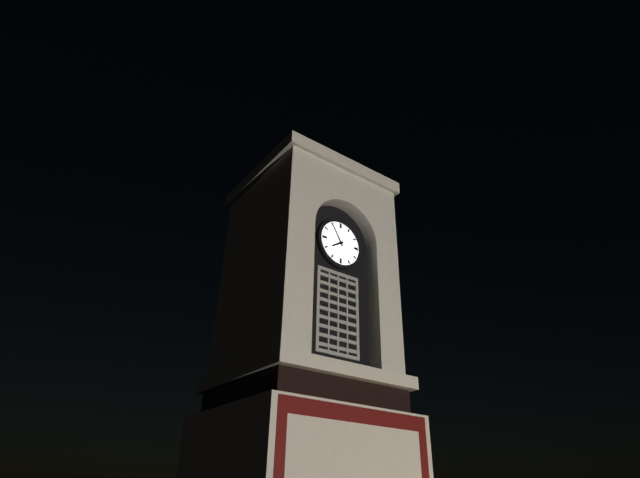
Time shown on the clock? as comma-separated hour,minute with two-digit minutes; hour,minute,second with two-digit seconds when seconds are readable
7,55
